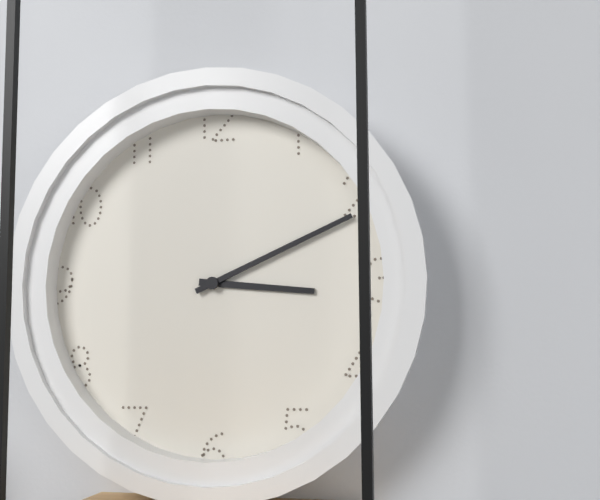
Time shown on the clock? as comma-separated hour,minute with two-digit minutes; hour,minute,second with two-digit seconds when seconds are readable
3,11
